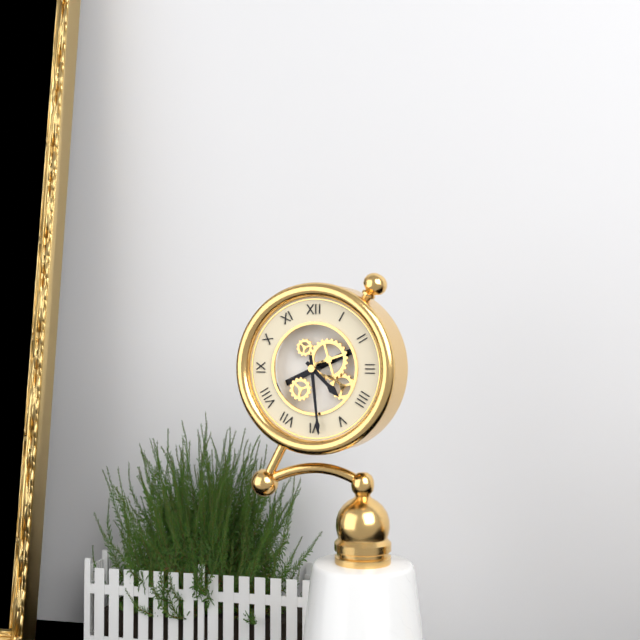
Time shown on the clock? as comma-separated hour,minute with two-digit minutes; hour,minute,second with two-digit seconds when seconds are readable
4,29
